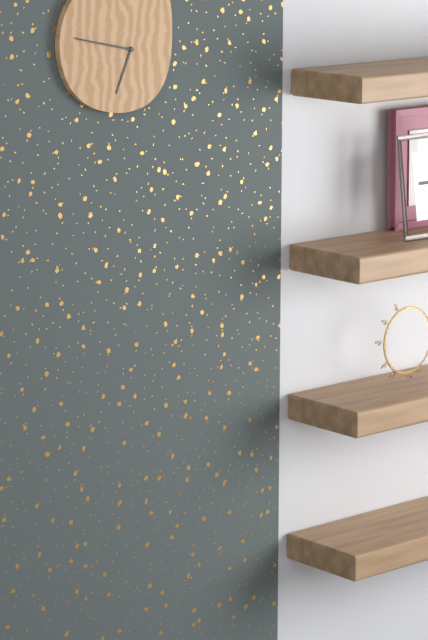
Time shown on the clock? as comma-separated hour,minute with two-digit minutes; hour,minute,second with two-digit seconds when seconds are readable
6,47
